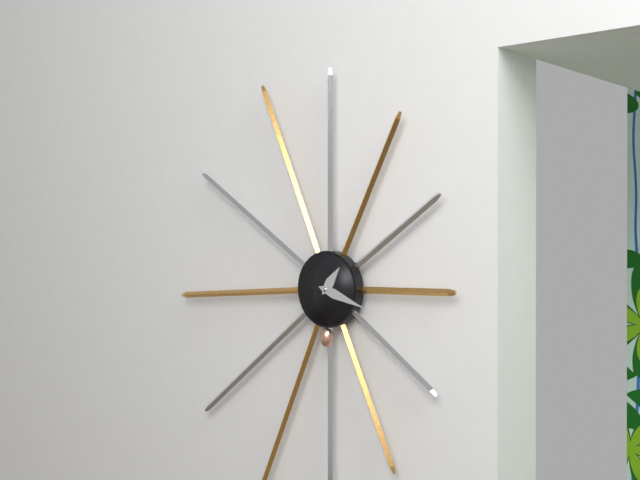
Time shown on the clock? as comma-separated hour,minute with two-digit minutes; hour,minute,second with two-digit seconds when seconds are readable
1,18
